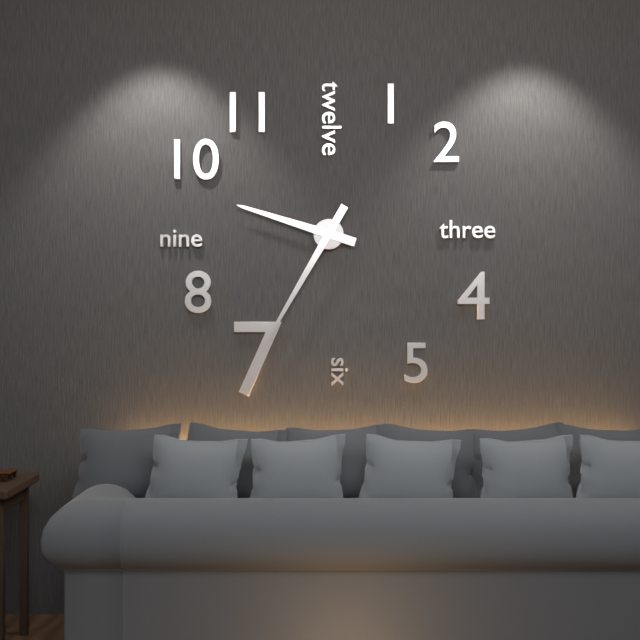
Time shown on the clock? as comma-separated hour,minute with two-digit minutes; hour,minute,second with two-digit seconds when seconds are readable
9,35
